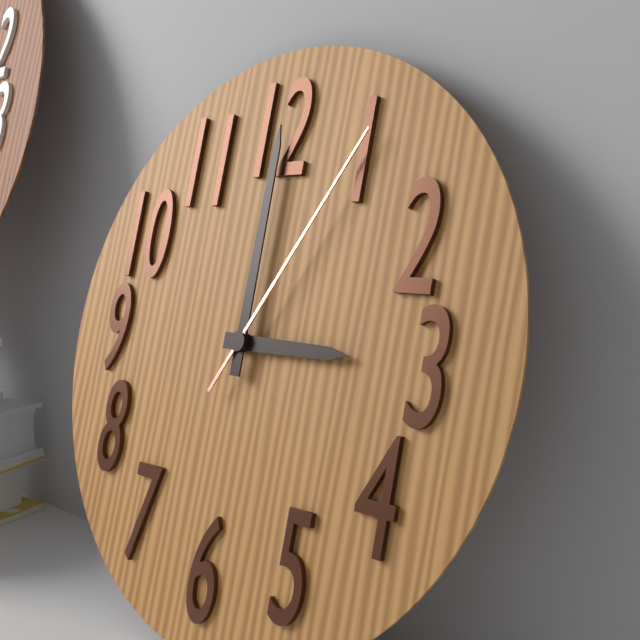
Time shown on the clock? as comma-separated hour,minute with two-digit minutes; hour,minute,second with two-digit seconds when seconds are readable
3,00,05
